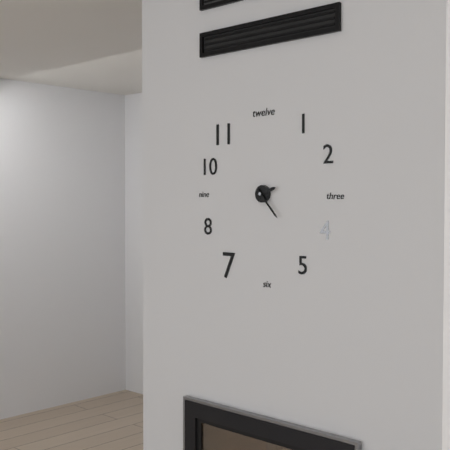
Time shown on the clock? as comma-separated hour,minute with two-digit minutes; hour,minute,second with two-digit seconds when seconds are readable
2,23
